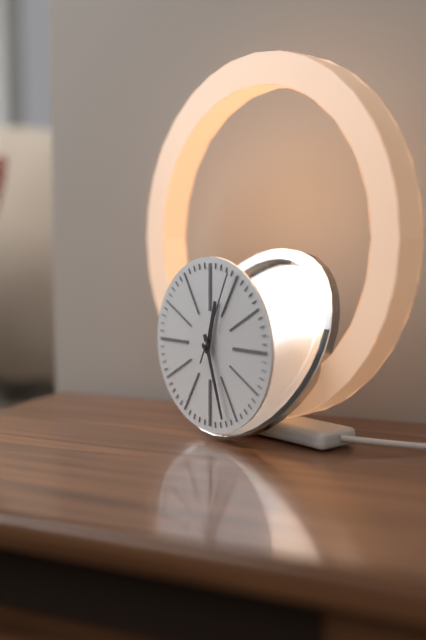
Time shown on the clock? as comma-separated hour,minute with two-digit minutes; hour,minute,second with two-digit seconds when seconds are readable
12,27,04
